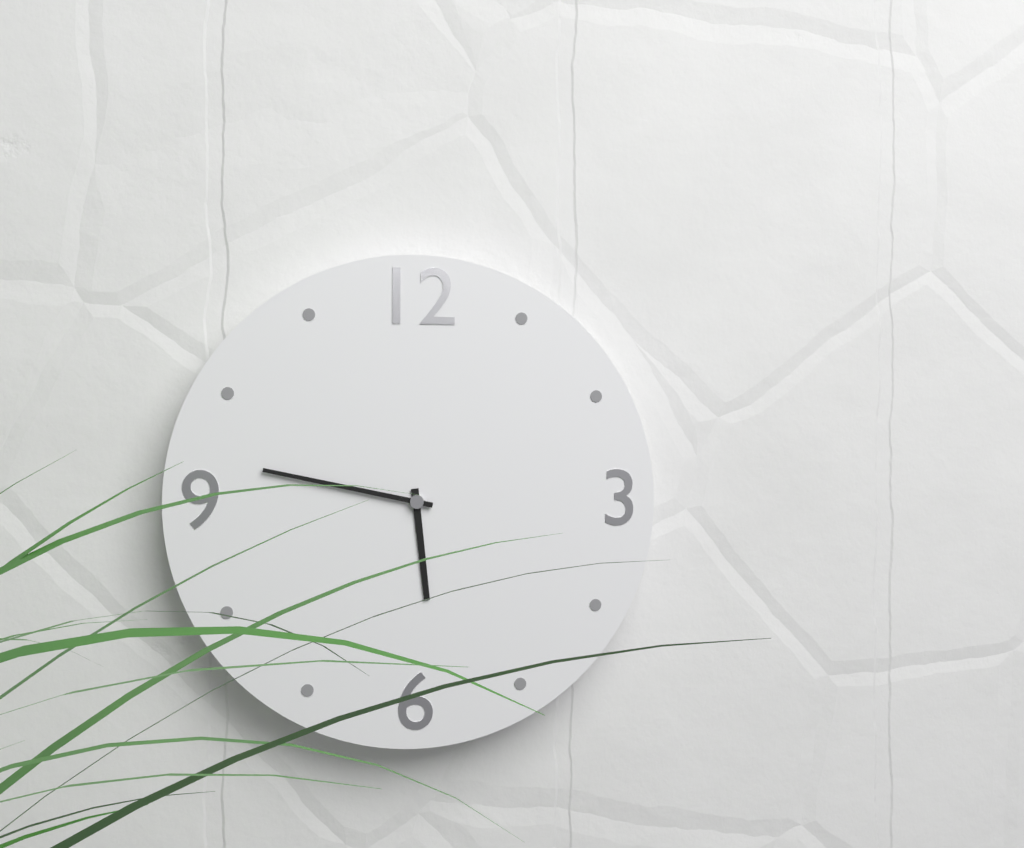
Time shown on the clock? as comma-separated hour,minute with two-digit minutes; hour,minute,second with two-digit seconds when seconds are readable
5,47
